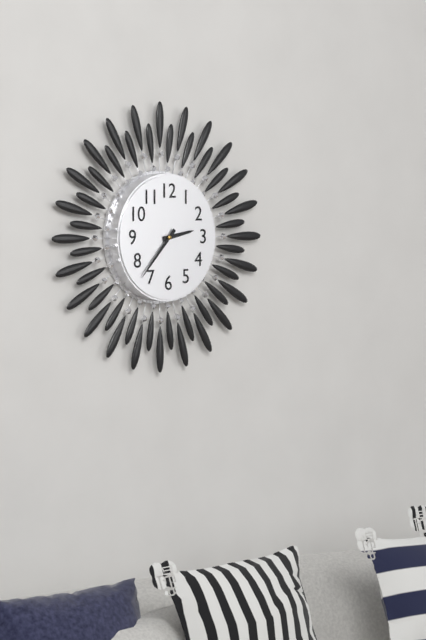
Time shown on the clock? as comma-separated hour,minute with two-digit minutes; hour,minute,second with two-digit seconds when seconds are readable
2,37
